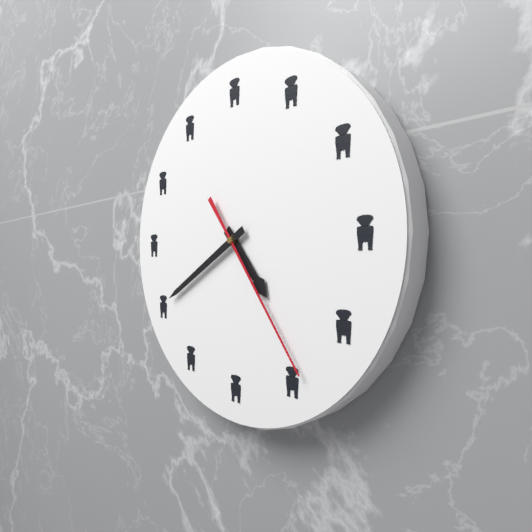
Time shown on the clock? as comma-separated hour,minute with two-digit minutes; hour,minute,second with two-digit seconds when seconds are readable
4,40,24
